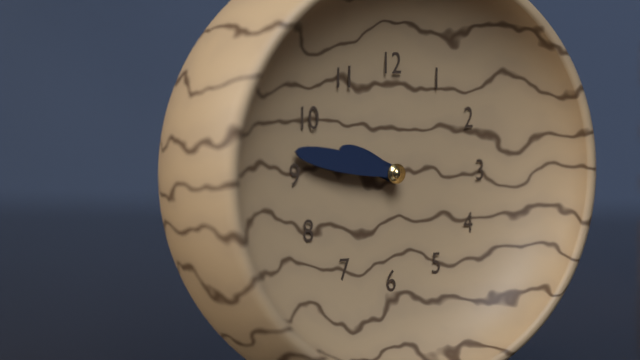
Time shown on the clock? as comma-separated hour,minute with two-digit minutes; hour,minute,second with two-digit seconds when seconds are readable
9,47
